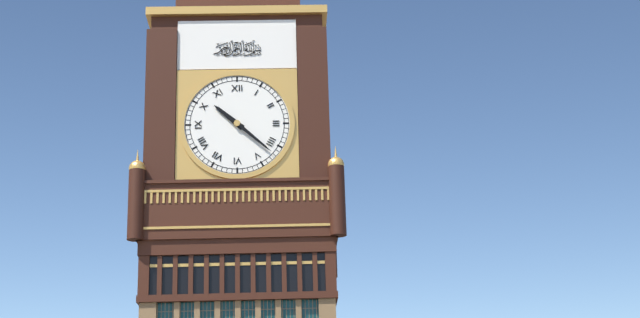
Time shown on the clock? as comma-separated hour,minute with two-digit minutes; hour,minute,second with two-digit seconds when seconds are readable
10,22
